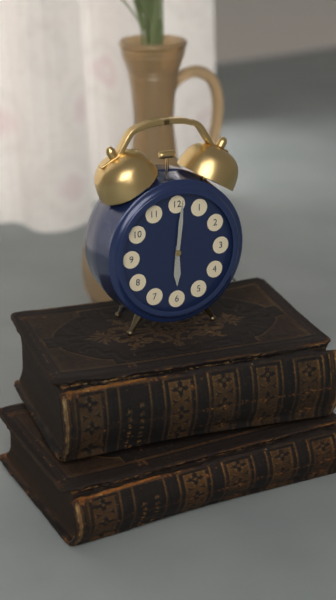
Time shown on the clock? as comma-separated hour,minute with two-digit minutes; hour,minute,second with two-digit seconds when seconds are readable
6,01
